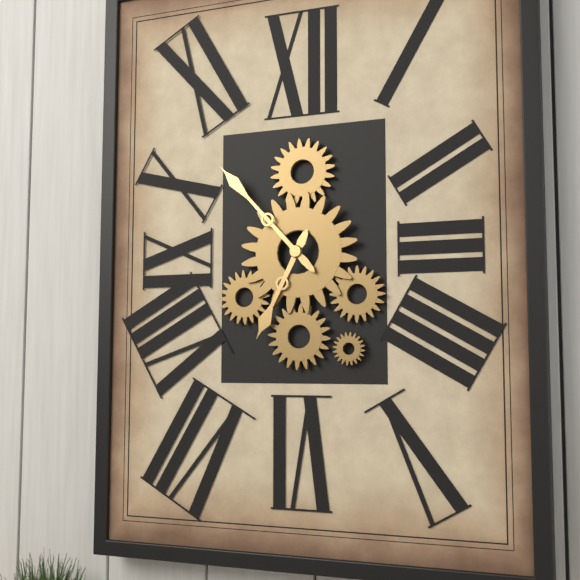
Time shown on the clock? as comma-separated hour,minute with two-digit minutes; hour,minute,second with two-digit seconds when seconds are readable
6,53
